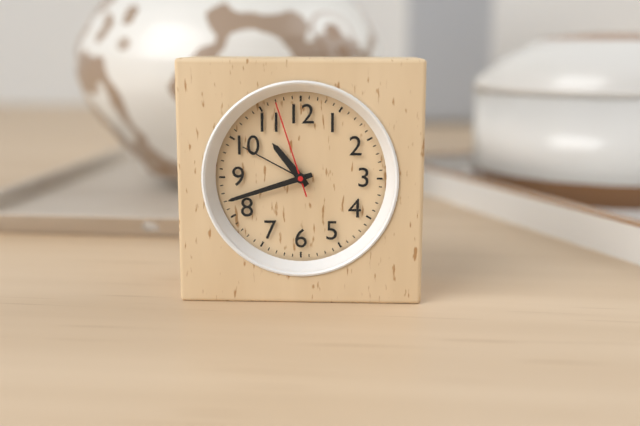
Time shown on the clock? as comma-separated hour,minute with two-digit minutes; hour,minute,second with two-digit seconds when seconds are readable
10,42,57
